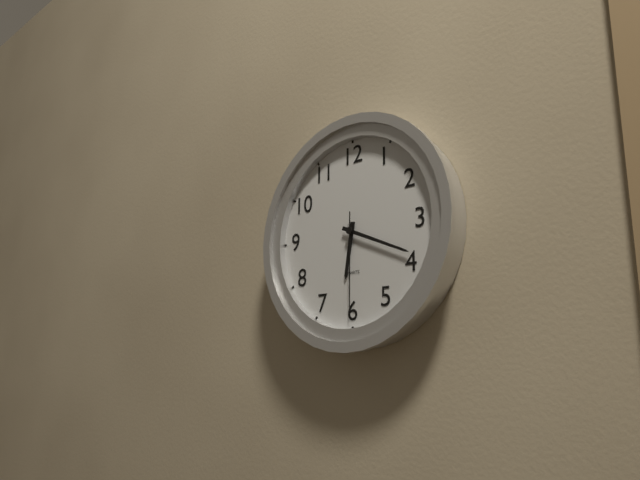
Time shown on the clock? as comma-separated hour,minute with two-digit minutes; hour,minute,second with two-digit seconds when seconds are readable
6,19,30
